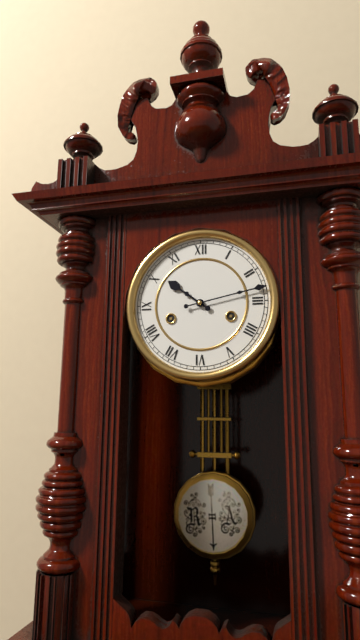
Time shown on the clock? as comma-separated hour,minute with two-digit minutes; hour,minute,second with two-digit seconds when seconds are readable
10,13
